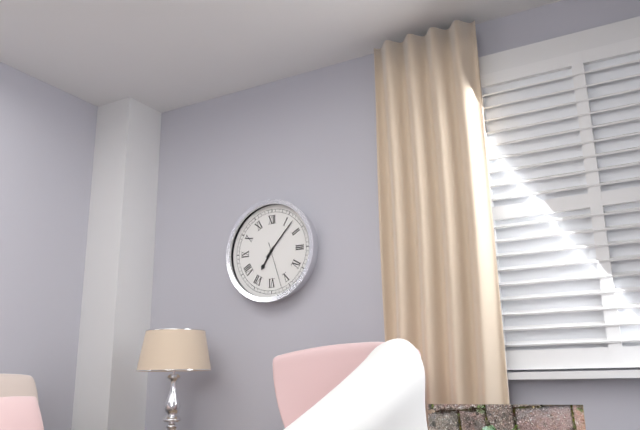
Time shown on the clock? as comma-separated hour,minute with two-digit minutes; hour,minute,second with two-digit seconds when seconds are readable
7,07
